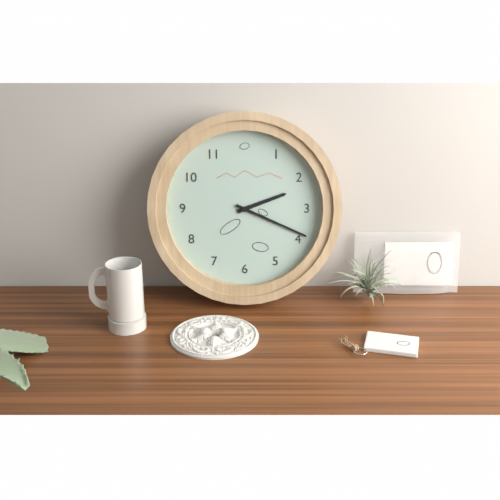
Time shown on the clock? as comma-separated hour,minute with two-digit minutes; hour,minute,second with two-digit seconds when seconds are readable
2,19
